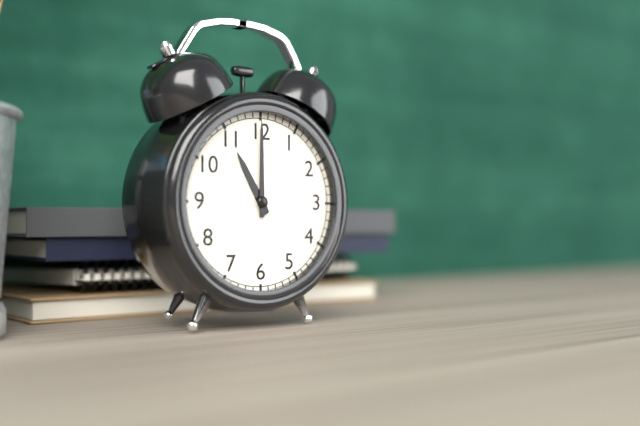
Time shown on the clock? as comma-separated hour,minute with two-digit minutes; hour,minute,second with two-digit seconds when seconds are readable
11,00
